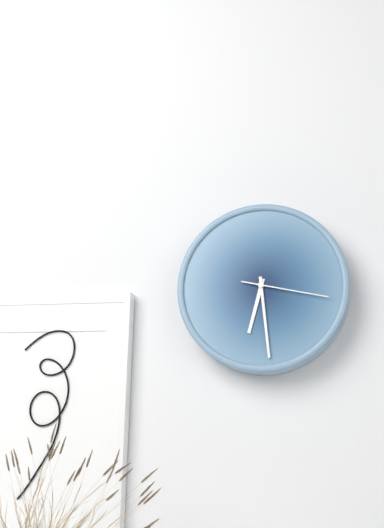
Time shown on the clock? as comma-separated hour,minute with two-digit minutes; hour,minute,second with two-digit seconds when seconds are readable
6,29,17
